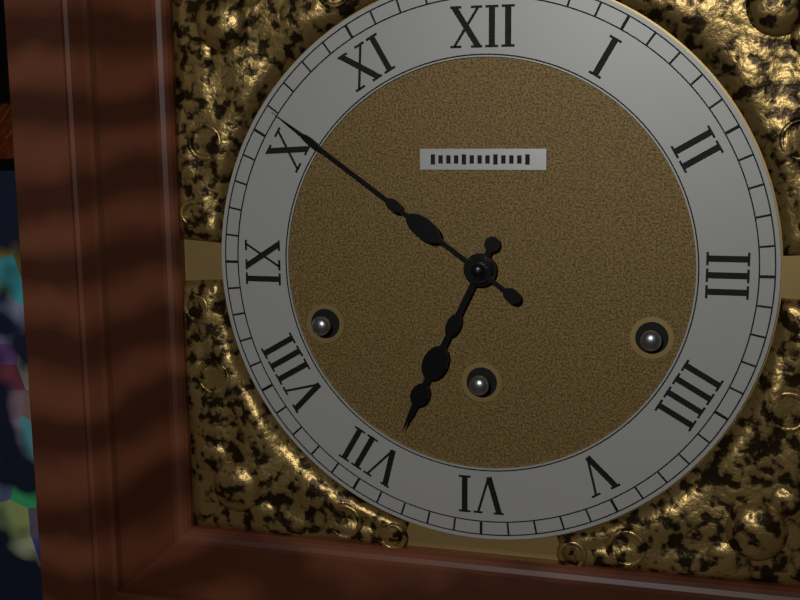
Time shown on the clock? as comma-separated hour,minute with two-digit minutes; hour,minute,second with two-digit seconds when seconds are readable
6,51
